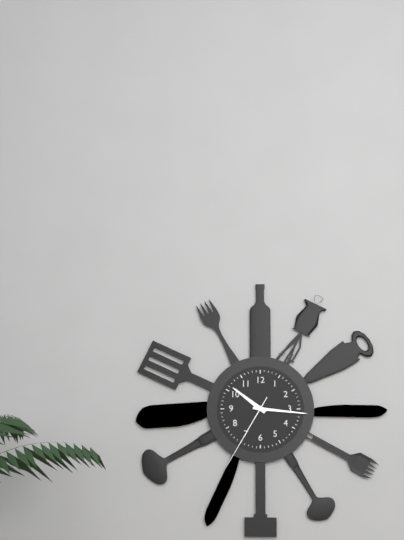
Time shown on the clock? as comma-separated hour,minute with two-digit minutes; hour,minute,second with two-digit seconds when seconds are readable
10,16,35
